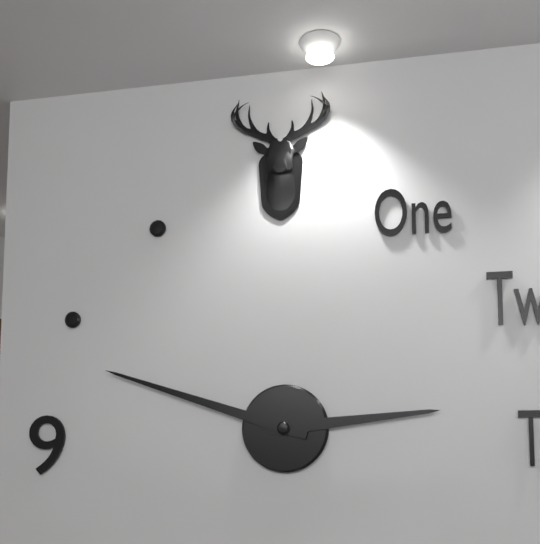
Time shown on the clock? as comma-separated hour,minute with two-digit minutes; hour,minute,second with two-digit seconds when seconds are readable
2,48
